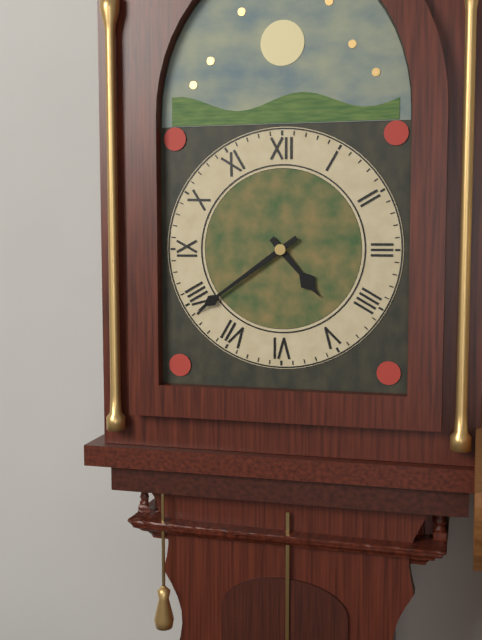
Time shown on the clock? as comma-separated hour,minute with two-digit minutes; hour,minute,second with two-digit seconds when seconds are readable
4,39
